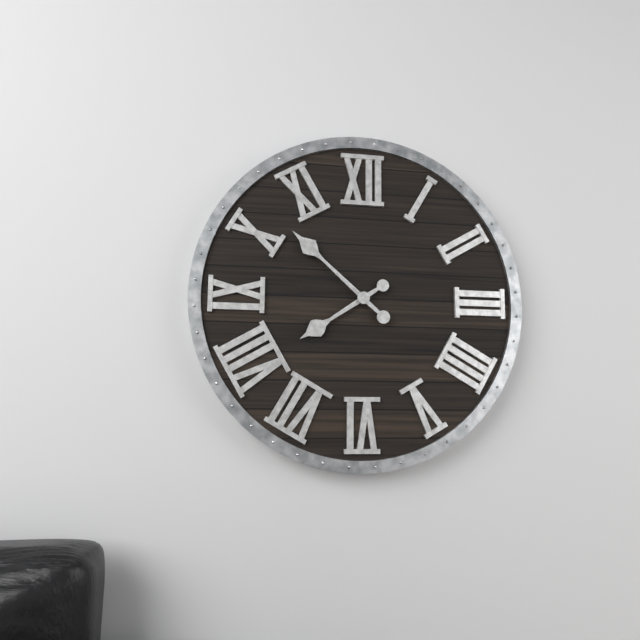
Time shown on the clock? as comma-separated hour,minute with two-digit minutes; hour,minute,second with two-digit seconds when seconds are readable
7,52
